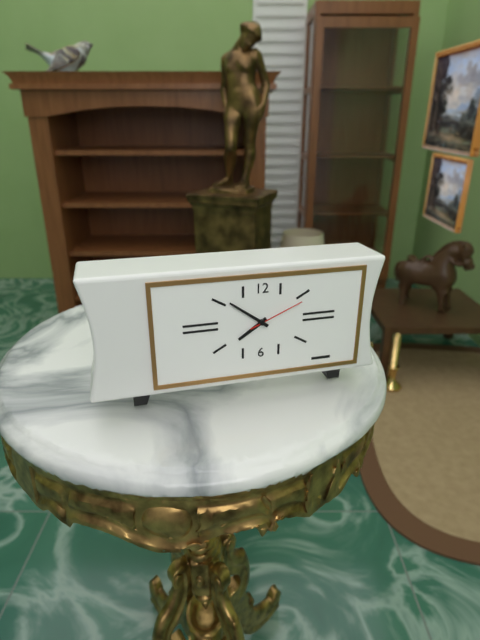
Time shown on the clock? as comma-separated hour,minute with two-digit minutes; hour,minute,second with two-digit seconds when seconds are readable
7,51,11
